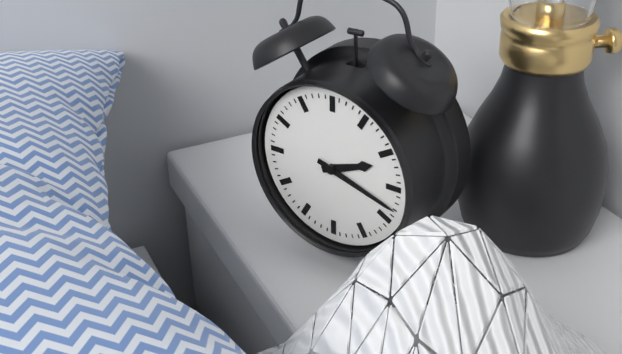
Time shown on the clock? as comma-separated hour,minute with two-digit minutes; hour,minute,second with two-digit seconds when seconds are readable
2,18
